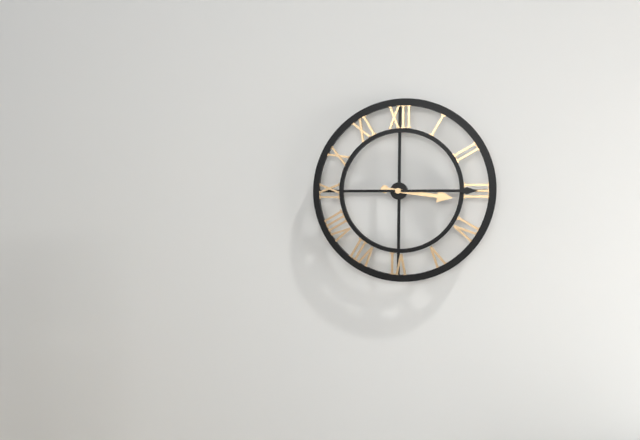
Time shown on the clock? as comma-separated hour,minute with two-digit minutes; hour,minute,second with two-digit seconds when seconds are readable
3,15
